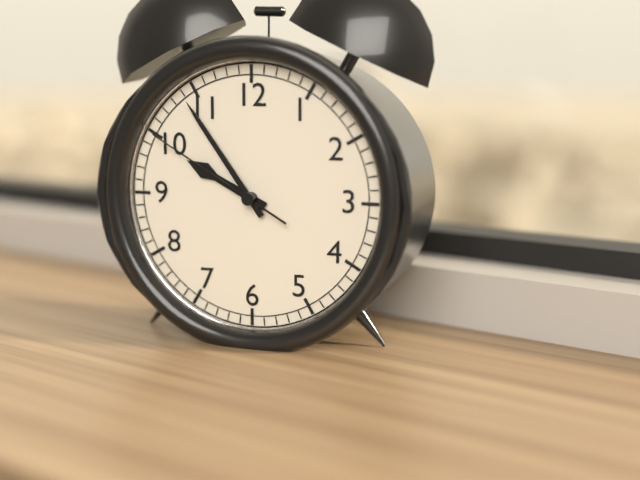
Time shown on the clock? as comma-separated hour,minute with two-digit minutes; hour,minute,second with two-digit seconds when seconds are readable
9,54,50
